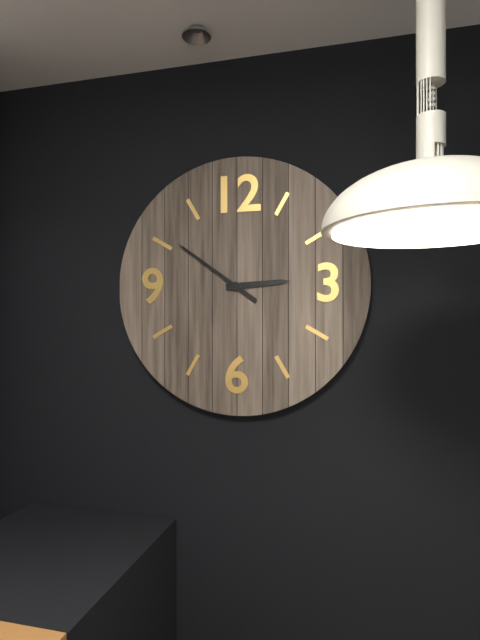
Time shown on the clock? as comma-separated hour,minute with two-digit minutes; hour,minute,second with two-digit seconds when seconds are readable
2,51
